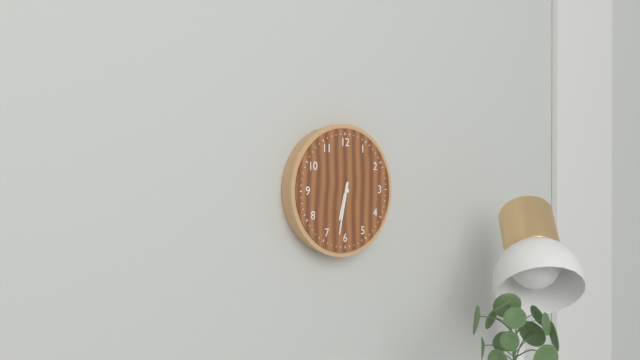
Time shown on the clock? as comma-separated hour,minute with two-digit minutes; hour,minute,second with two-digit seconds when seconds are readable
6,32
